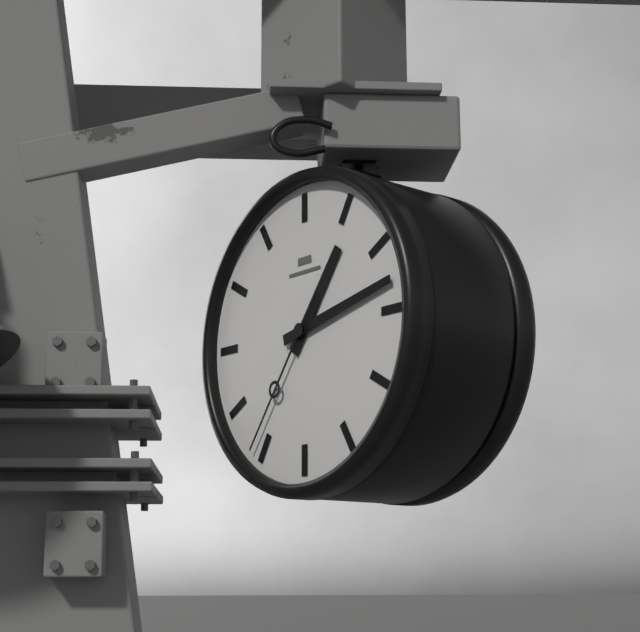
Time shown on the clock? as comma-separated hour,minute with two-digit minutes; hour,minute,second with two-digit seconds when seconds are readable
1,13,36
